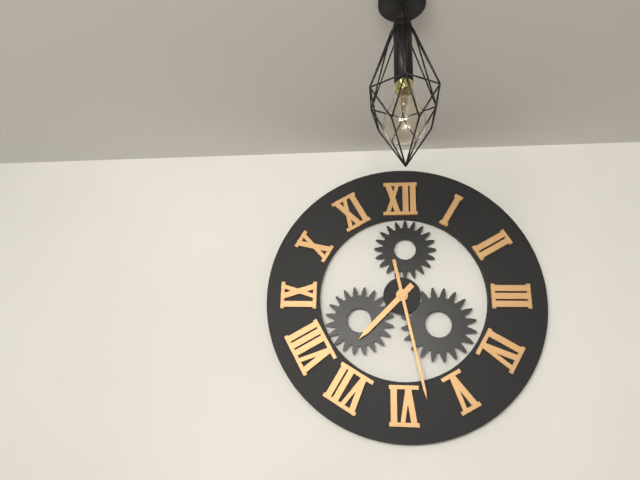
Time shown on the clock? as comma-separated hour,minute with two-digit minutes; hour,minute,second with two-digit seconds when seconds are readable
7,28
